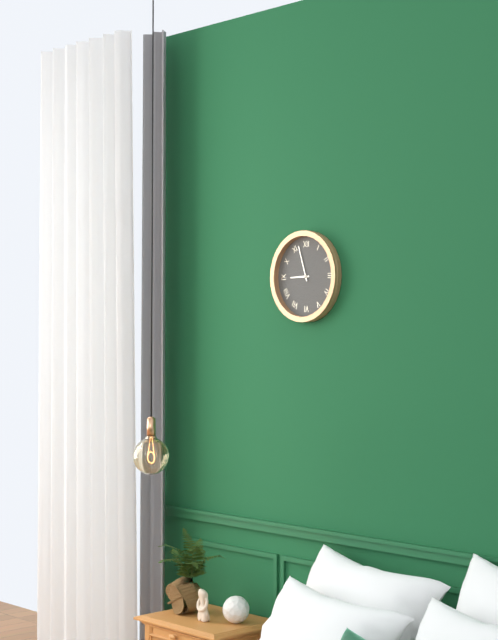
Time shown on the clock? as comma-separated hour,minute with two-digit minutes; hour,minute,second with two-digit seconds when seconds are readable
8,57
